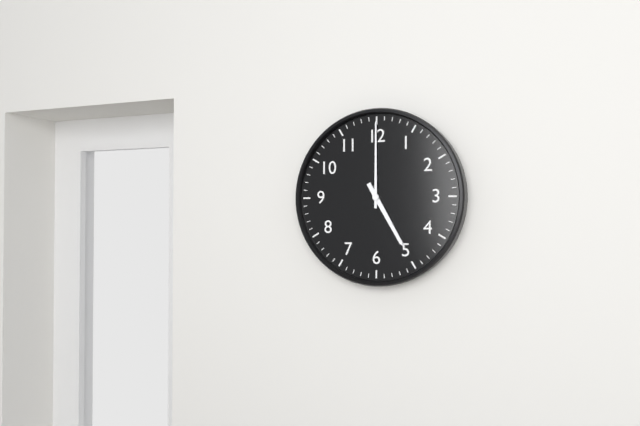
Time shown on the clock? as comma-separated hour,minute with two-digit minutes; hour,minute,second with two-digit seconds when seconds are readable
5,00
